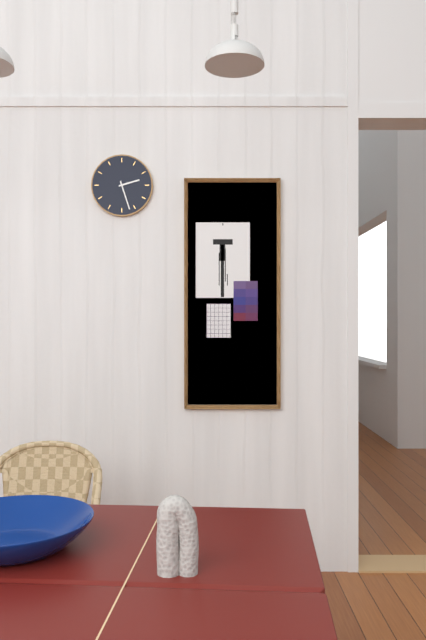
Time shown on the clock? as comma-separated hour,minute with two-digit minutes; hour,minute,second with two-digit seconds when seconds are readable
2,27
